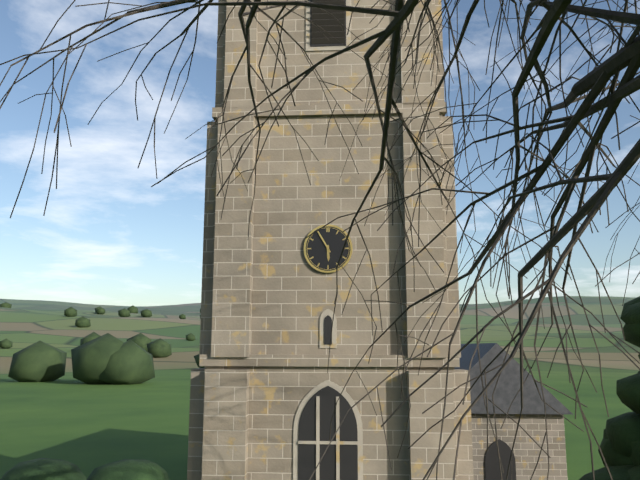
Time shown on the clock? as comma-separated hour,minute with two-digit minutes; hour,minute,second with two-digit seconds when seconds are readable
5,55
